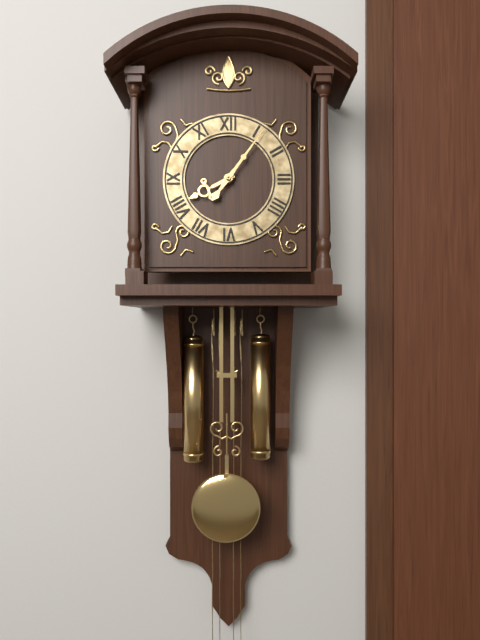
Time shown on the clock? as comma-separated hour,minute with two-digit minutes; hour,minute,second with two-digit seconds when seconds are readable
8,06
